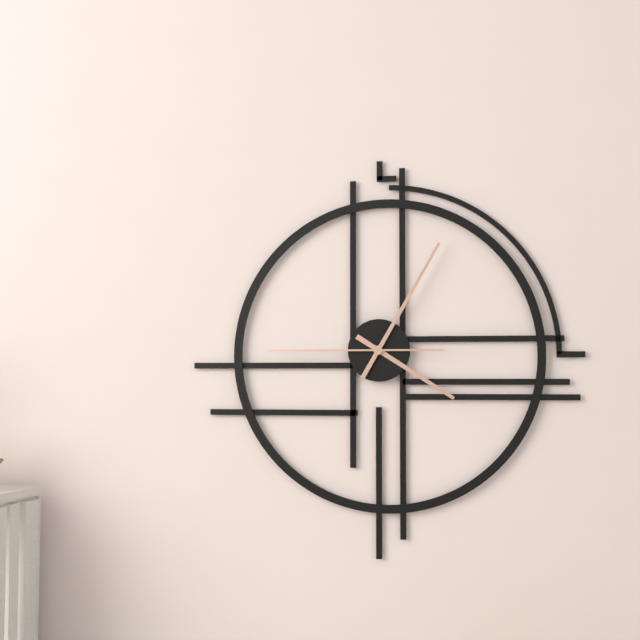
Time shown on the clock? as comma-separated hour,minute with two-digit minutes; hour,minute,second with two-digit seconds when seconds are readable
4,05,45
